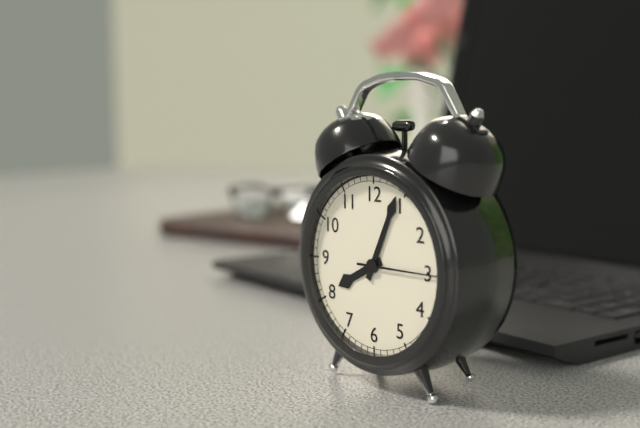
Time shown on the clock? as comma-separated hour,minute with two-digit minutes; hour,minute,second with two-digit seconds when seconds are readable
8,04,15
